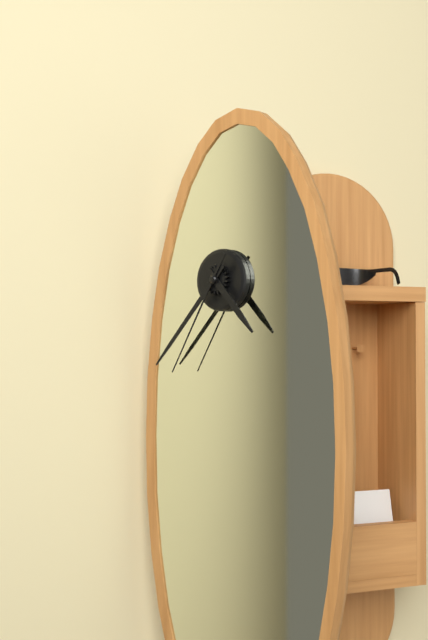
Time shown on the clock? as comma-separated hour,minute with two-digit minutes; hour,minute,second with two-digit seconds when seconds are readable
4,37,35
